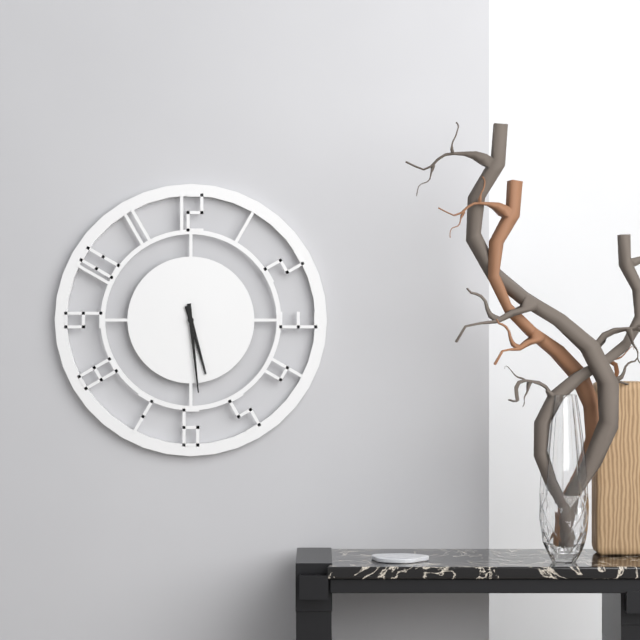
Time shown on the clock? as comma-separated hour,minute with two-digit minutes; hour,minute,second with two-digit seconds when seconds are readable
5,29
